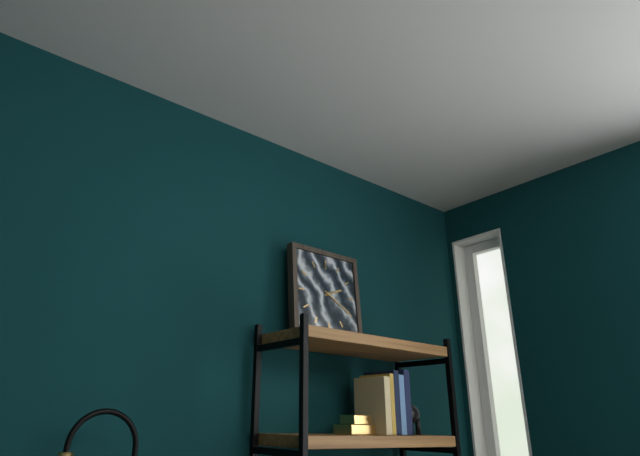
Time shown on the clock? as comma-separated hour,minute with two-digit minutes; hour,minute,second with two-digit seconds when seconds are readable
2,20
